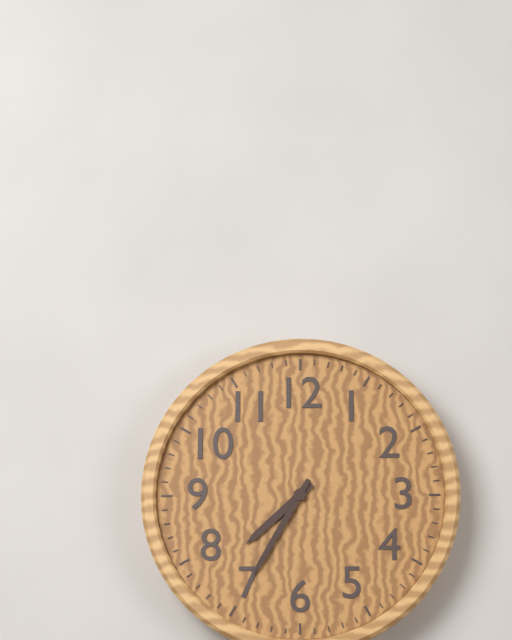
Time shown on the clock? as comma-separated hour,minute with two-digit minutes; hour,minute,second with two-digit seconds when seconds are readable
7,35
